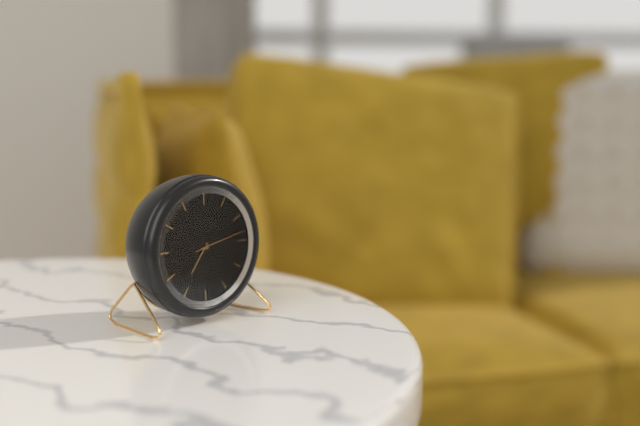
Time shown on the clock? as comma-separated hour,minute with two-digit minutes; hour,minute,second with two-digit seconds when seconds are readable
7,13,13
